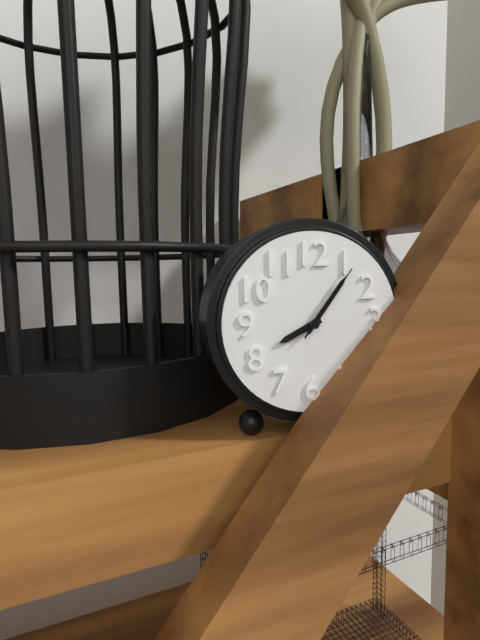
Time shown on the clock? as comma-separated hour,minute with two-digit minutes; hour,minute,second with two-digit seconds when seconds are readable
8,06,06
